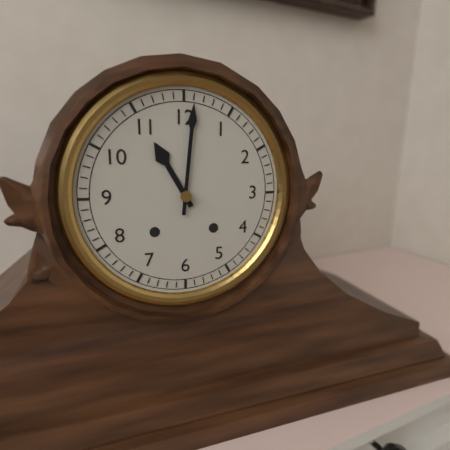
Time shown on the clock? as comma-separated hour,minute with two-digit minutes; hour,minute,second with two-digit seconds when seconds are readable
11,01
